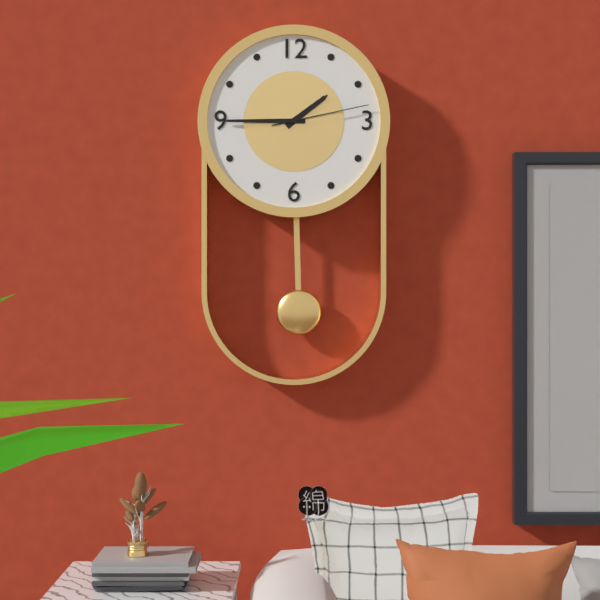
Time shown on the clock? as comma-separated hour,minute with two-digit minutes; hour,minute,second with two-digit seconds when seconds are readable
1,45,13
